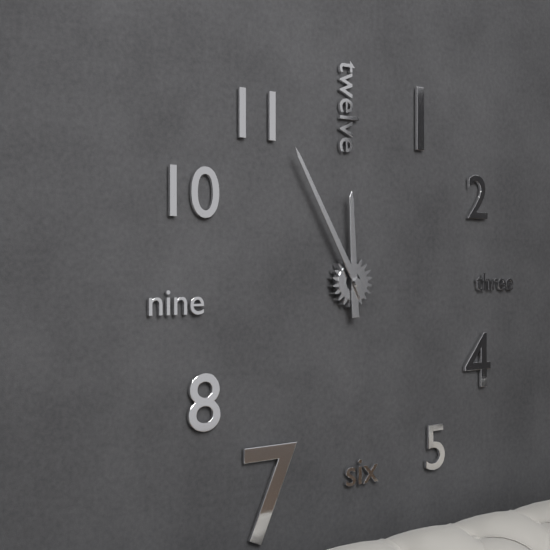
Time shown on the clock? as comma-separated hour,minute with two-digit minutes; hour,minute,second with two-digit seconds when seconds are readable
11,55
